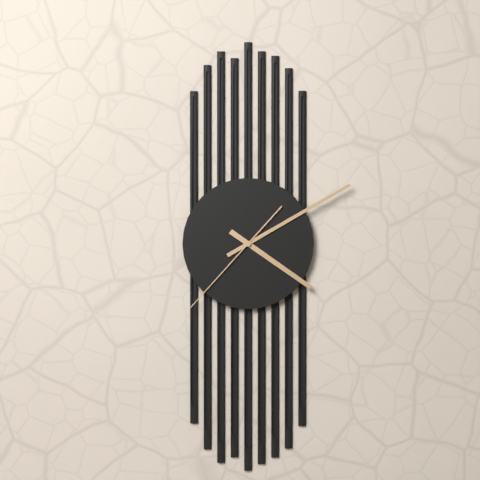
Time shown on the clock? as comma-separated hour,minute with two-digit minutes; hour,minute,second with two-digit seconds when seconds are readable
4,10,37
